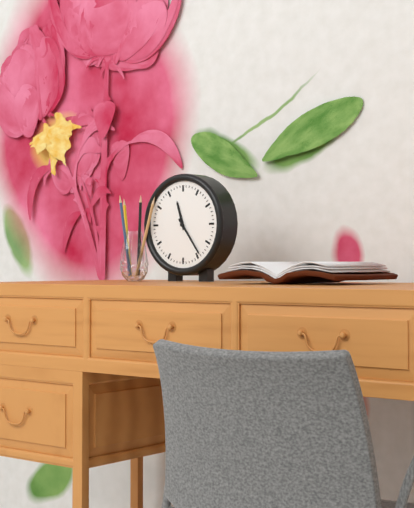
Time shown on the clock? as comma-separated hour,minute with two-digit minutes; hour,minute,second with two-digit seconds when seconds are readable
11,24
